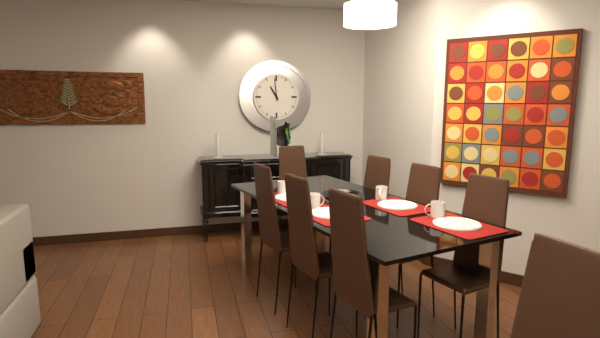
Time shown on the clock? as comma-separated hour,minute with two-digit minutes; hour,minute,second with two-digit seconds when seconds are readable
10,59
